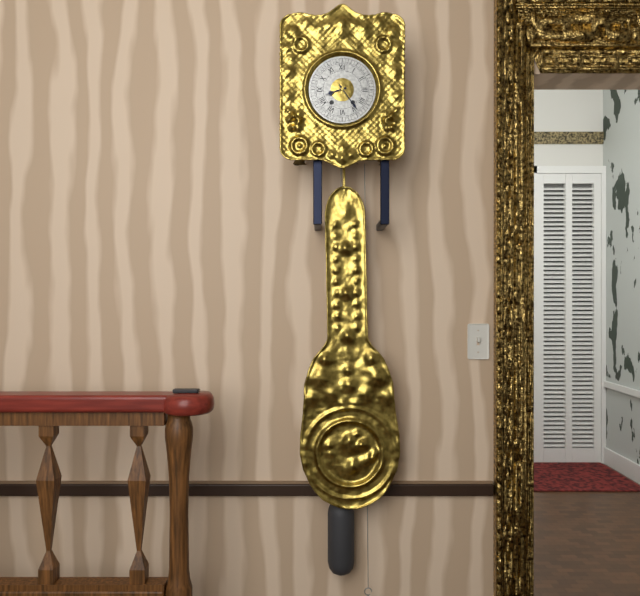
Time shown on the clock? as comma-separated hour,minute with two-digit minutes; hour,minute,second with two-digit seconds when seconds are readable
8,24
